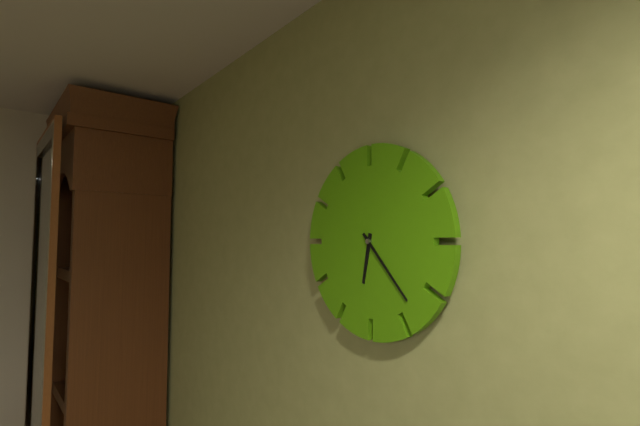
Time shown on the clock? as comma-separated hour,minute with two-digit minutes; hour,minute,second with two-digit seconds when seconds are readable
6,23
